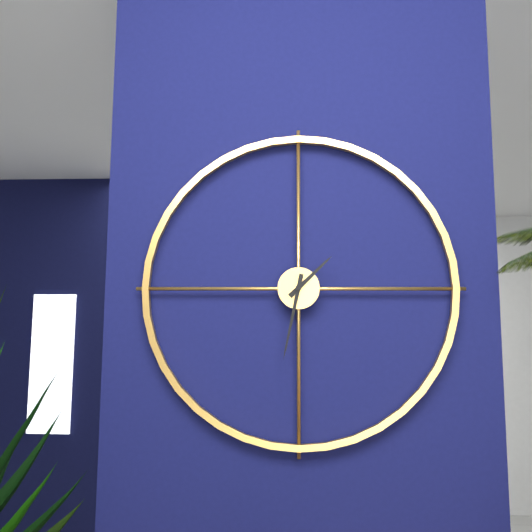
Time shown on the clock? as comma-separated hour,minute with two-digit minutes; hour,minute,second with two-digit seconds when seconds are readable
1,32
